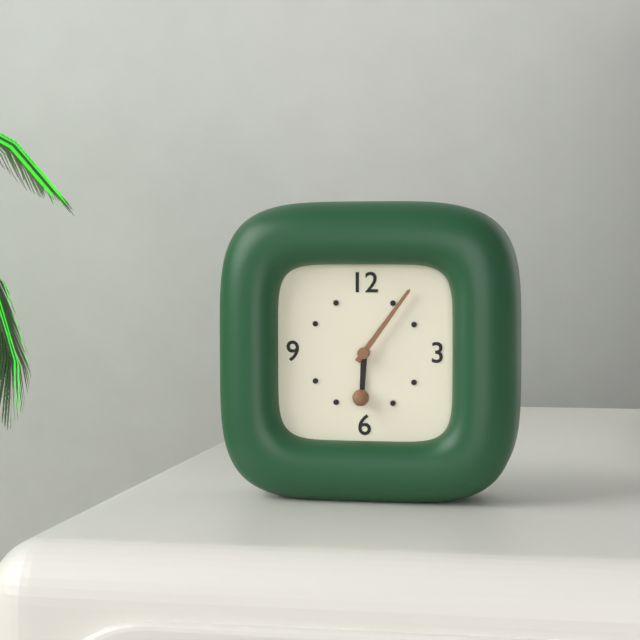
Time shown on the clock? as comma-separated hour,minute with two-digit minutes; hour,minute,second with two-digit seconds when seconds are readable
6,06
